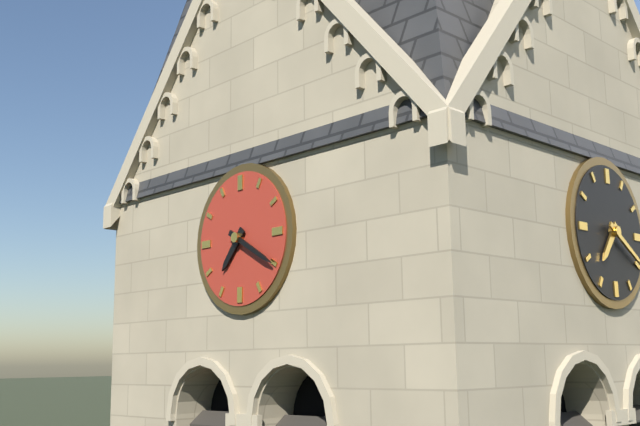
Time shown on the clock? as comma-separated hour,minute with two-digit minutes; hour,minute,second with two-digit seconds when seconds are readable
7,20
